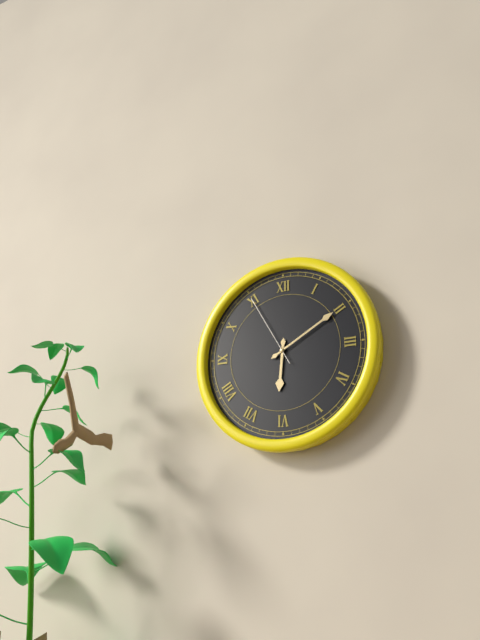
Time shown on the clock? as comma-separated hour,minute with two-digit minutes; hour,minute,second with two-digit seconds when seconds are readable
6,10,55
